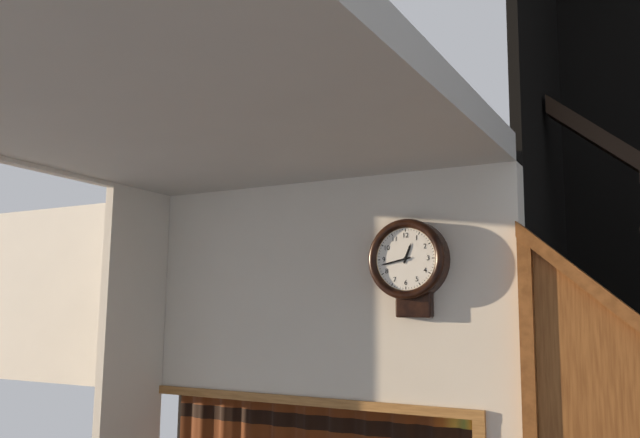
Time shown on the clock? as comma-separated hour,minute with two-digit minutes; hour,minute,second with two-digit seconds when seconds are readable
12,43
